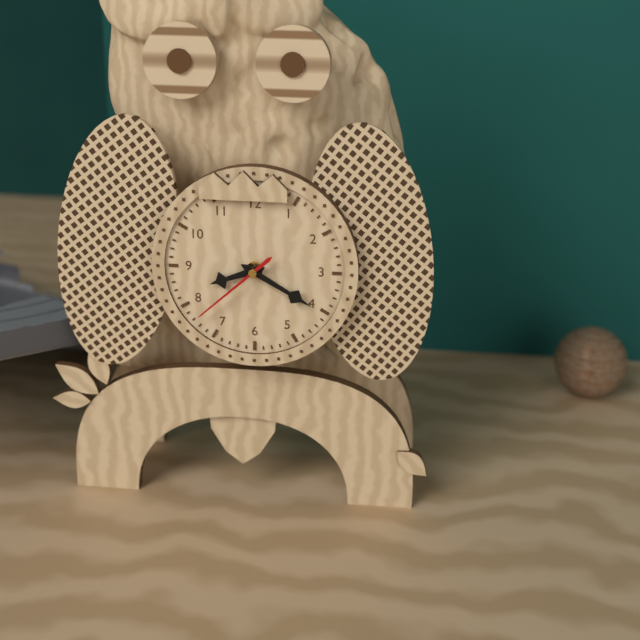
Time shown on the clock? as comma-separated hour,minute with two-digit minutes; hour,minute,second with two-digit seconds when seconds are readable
8,20,38
